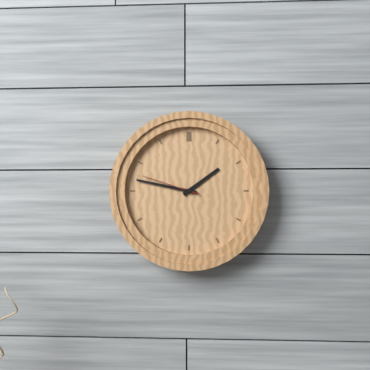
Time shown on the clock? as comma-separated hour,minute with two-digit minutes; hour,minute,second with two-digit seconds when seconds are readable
1,47,48
